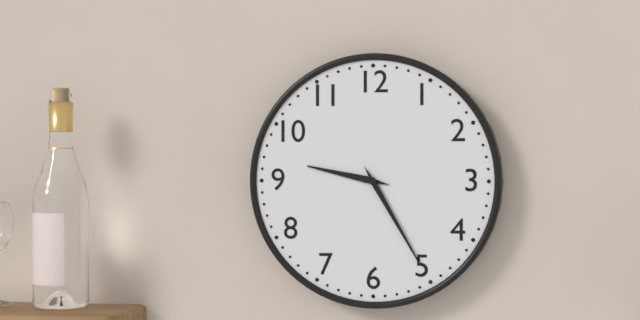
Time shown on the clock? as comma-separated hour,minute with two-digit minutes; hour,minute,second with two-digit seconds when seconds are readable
9,25
